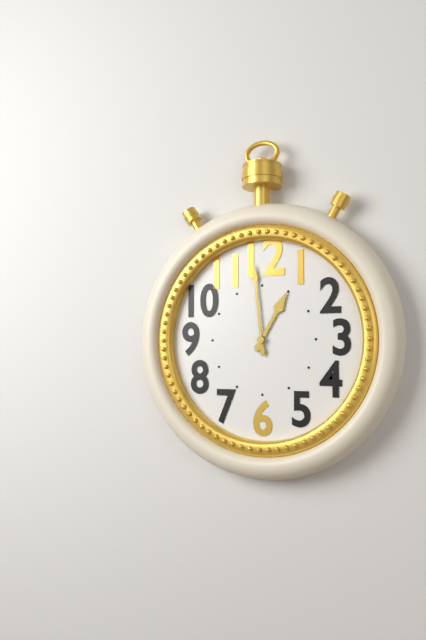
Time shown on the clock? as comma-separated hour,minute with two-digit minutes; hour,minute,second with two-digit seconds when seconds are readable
12,59
